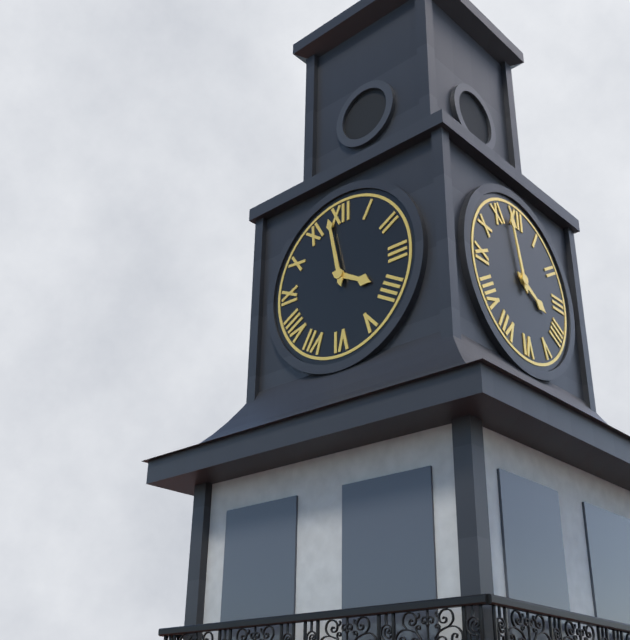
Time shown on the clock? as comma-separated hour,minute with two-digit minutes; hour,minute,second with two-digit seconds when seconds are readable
3,58
